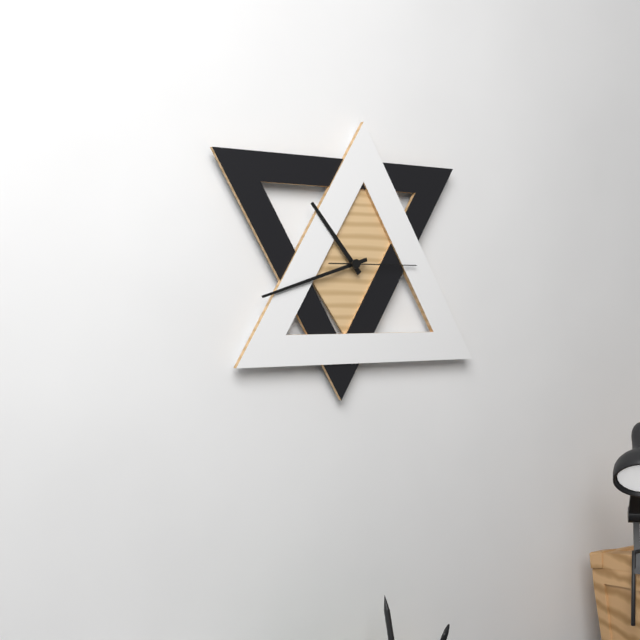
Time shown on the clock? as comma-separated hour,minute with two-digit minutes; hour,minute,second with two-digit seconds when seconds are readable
10,42,15
